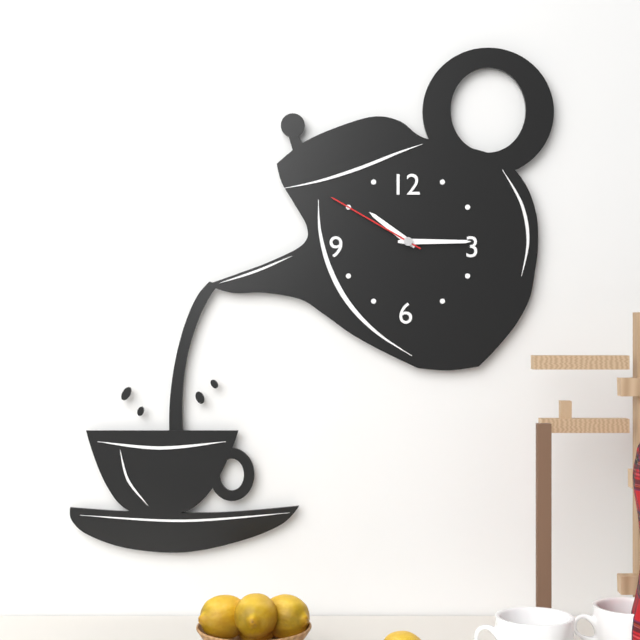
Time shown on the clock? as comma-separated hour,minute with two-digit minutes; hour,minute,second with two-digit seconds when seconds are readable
10,15,50
